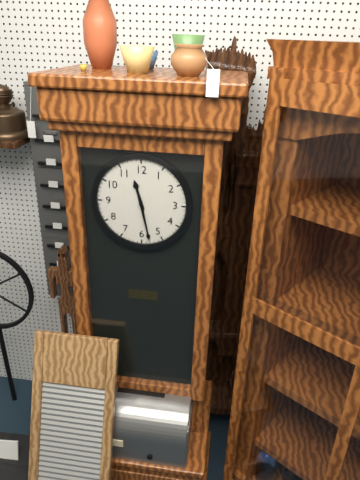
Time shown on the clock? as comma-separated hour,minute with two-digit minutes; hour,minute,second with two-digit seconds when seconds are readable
11,28
